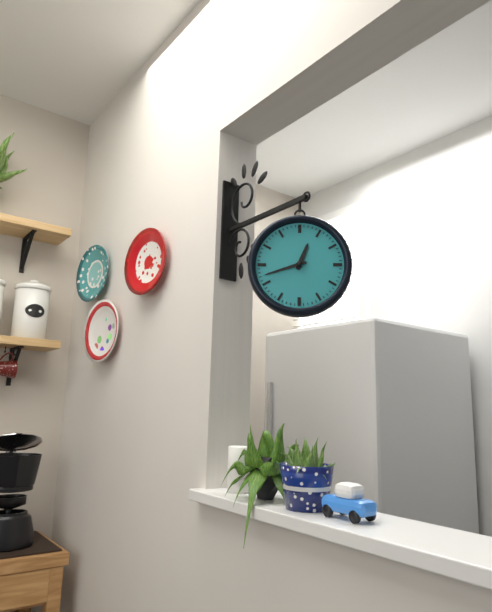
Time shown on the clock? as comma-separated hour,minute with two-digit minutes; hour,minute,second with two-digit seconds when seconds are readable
12,42
